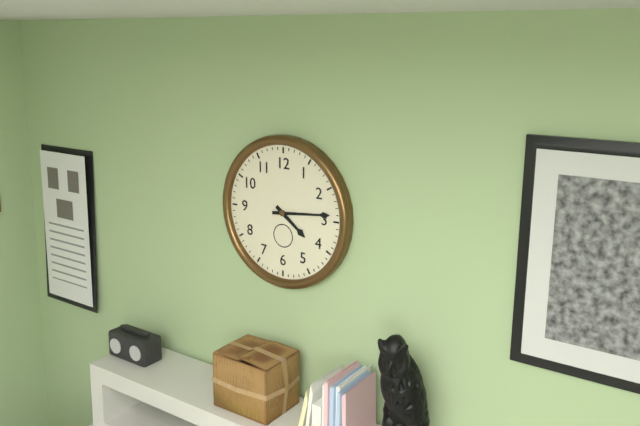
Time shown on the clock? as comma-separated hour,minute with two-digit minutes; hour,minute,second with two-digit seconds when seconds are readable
4,14
